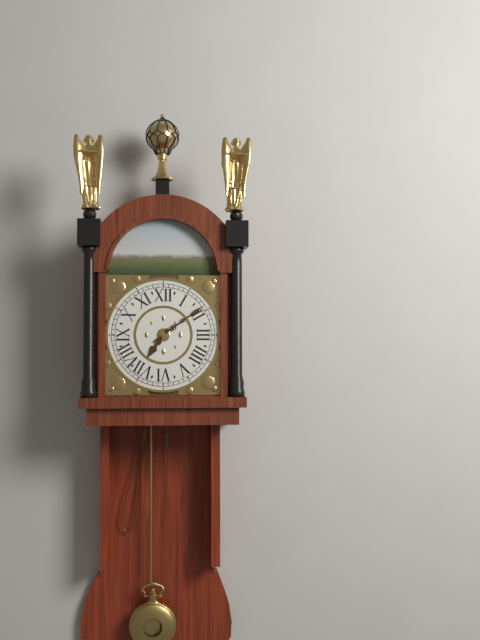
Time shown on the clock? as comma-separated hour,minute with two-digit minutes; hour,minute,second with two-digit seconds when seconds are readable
7,09
